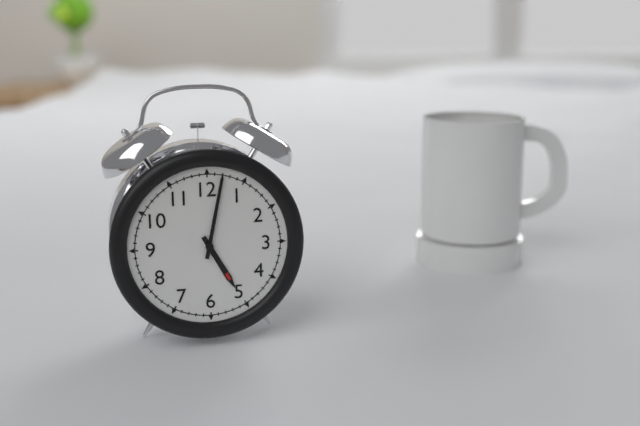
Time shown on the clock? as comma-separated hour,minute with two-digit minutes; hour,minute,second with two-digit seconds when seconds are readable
5,02
